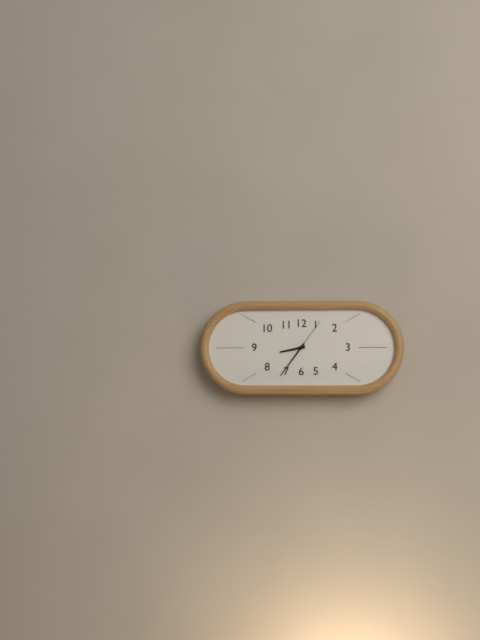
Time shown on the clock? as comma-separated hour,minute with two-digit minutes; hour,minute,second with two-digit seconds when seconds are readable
8,36
